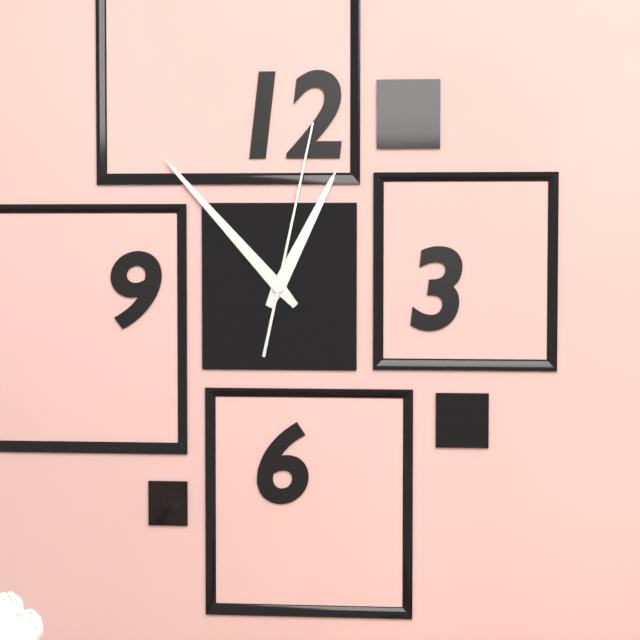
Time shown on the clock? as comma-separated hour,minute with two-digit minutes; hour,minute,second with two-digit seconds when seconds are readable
12,53,02
